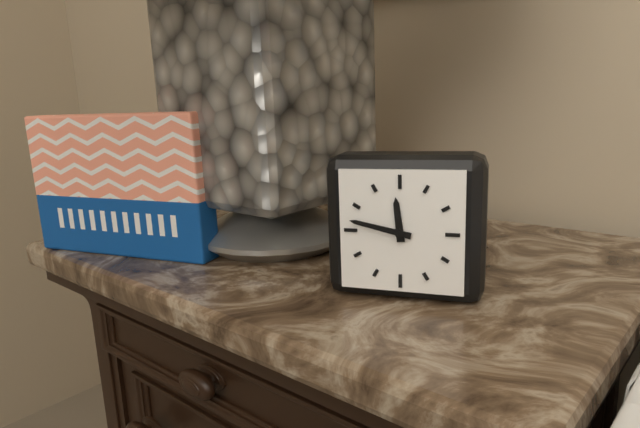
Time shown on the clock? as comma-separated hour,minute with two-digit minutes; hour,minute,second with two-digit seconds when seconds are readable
11,47
